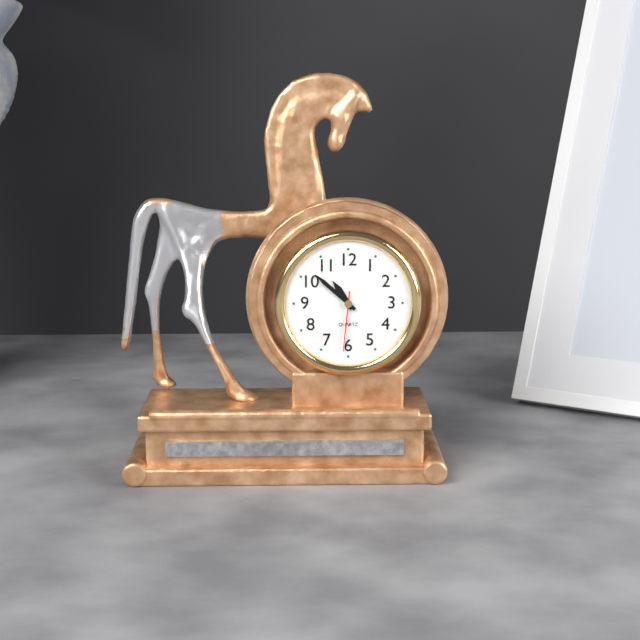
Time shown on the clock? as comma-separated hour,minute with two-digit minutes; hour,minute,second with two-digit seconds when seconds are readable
10,52,31
